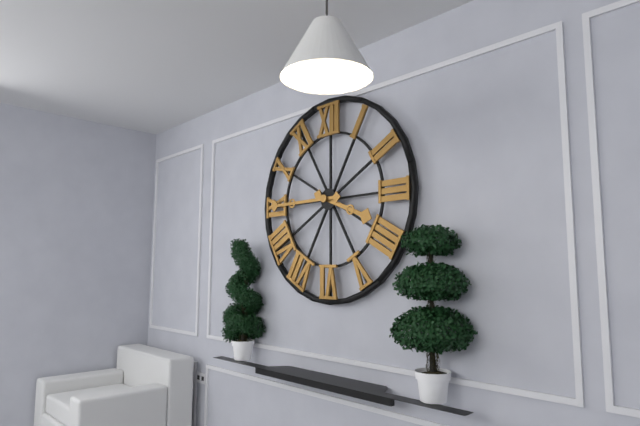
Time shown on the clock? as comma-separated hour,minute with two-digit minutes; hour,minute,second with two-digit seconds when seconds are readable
3,45
